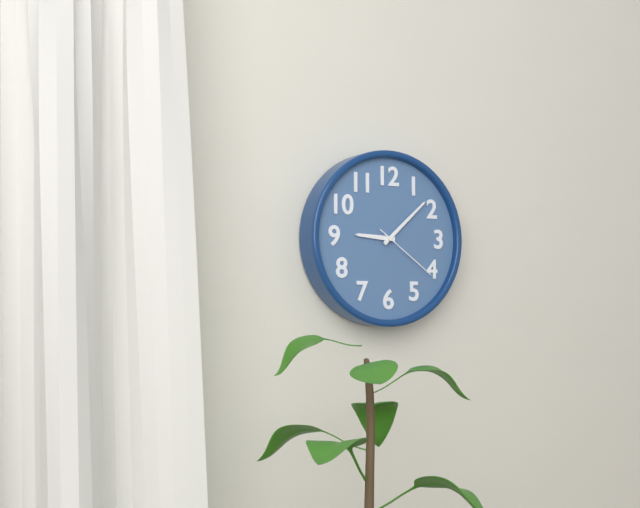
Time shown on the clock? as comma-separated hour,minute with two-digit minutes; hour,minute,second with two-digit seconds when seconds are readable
9,08,21
